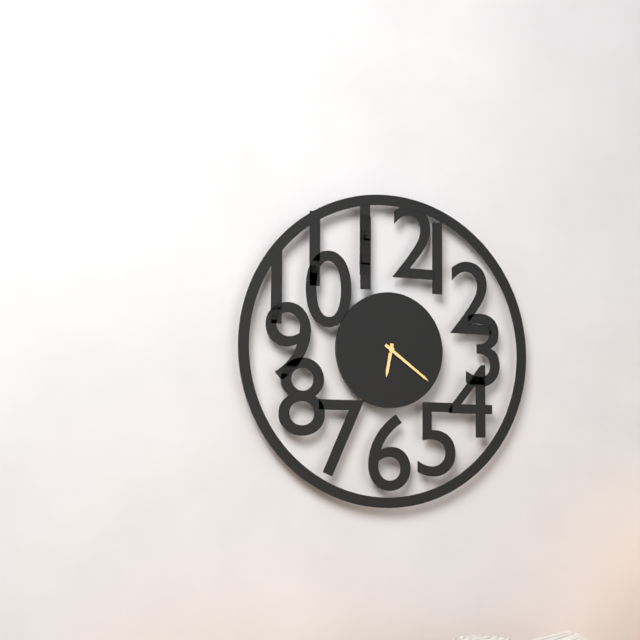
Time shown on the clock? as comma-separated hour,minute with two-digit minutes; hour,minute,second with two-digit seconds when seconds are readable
6,21
